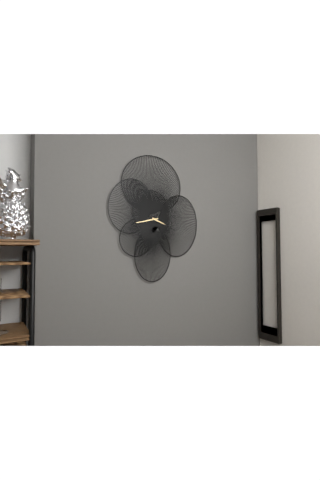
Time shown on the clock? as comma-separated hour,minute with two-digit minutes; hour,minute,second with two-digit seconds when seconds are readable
3,43
